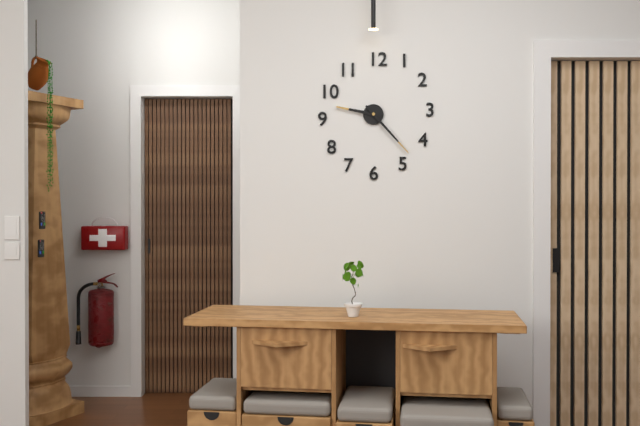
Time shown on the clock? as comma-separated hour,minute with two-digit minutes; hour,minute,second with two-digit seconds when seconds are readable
9,23
